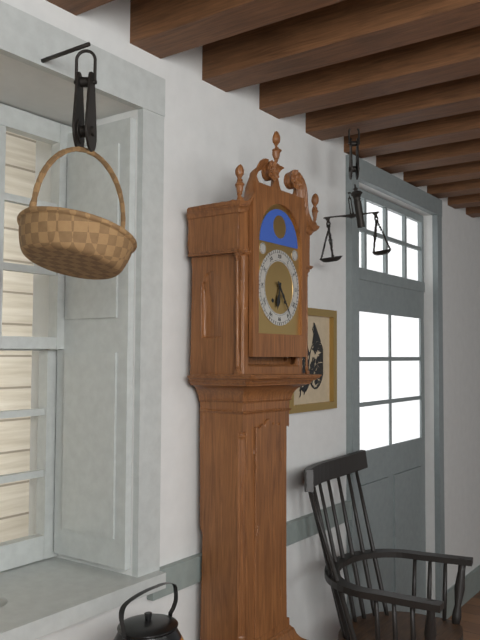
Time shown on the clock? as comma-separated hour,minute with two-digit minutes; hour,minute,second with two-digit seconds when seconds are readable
6,24
